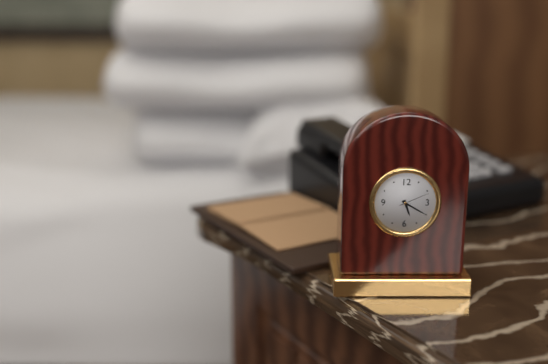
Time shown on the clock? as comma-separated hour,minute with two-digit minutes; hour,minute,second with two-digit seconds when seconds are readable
5,20
